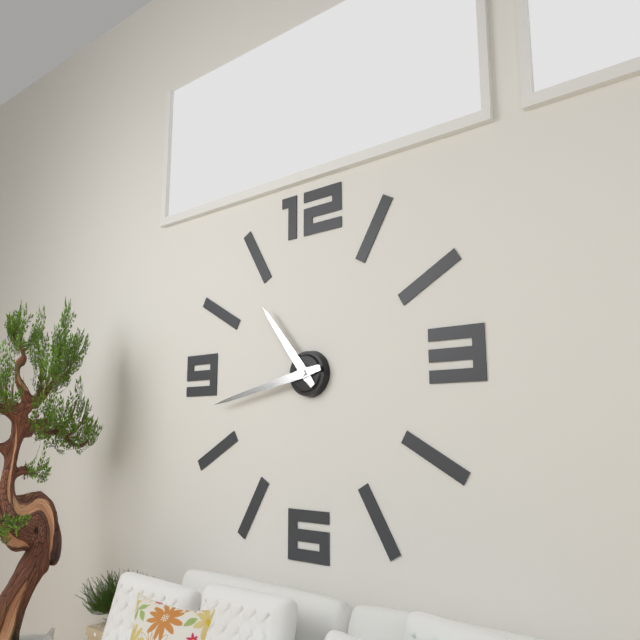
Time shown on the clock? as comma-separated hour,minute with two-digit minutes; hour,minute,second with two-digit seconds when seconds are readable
10,43
